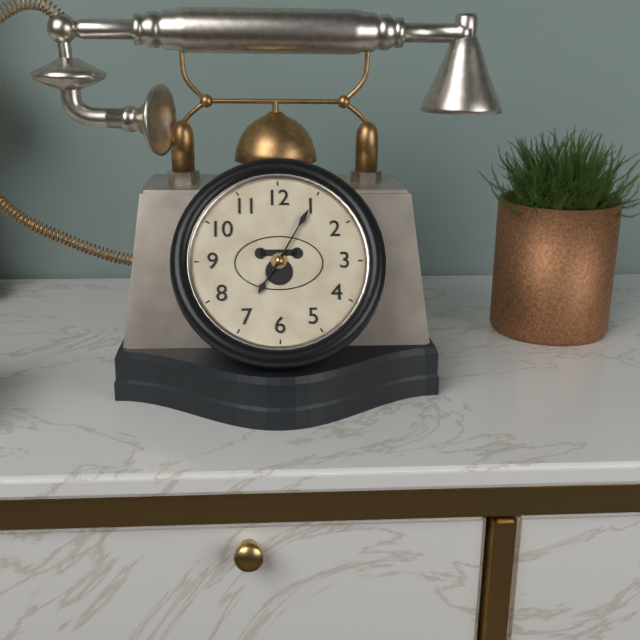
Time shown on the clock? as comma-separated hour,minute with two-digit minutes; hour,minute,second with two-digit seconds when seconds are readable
7,05
